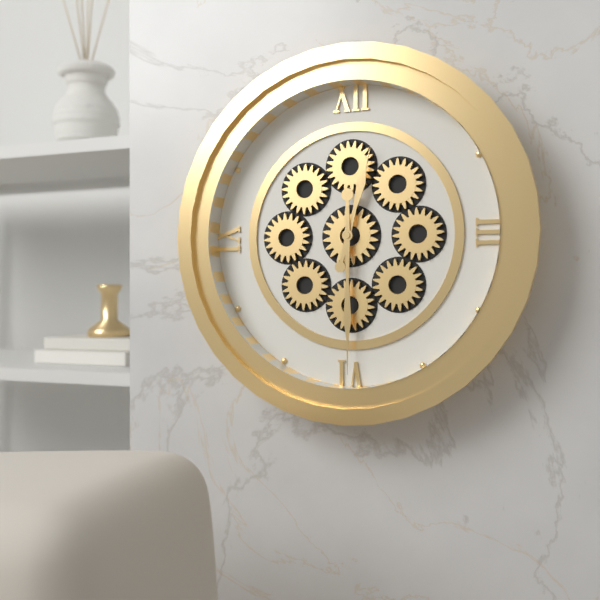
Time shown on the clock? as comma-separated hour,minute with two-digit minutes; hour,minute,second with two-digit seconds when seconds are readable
12,30
